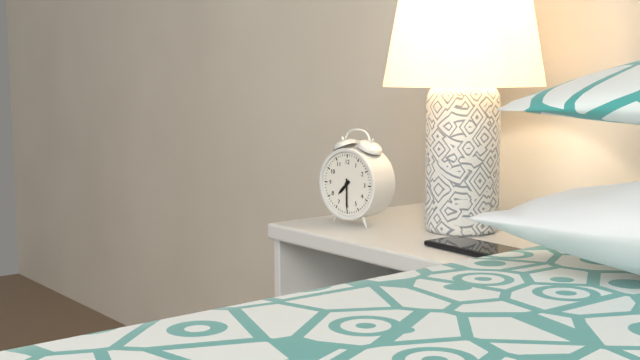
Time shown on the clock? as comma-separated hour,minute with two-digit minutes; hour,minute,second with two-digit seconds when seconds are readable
7,30
